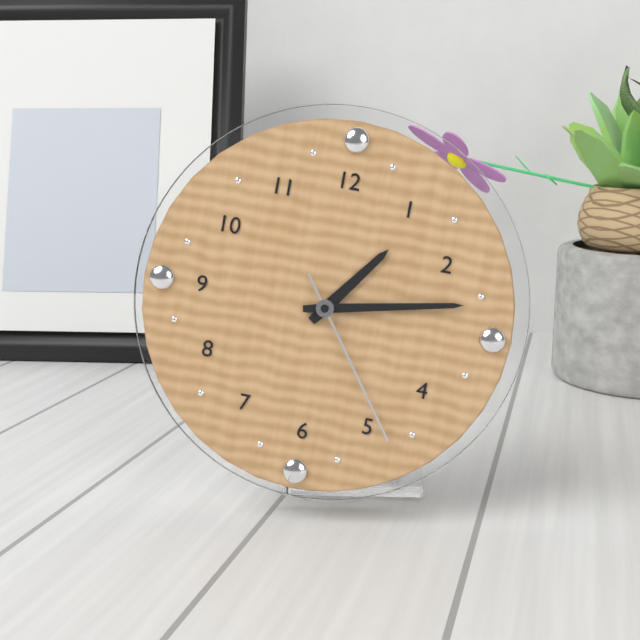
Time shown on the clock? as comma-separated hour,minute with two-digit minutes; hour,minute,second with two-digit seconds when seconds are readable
1,13,24
